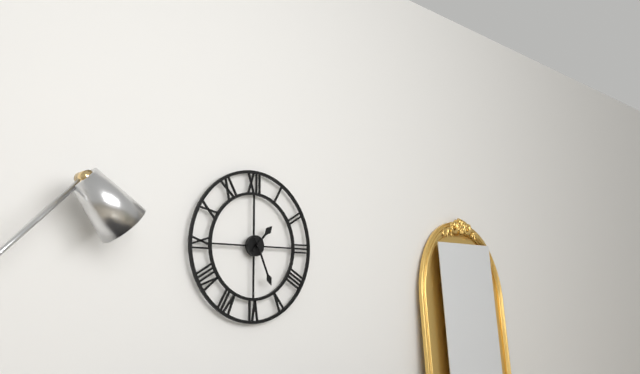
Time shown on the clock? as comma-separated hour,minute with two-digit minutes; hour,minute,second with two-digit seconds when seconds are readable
1,26
